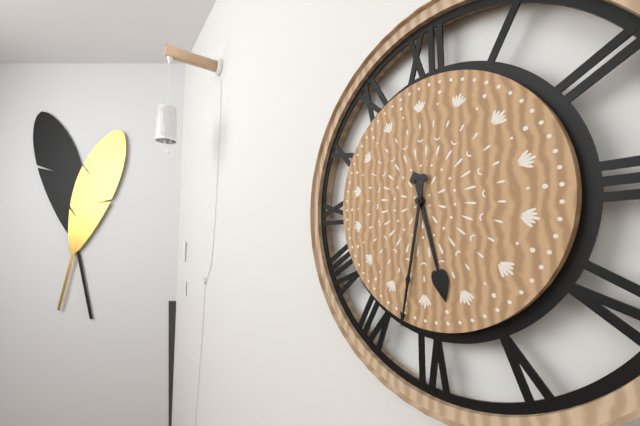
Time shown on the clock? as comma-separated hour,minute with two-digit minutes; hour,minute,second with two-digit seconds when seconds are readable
5,32
